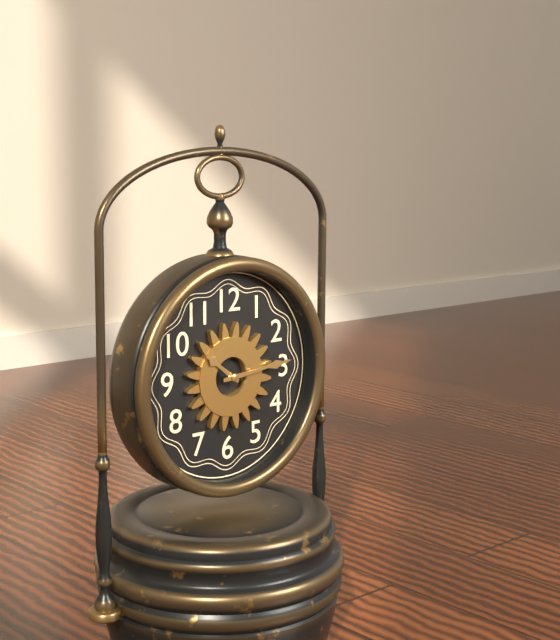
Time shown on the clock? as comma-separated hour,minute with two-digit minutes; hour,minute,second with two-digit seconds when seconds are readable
10,14
